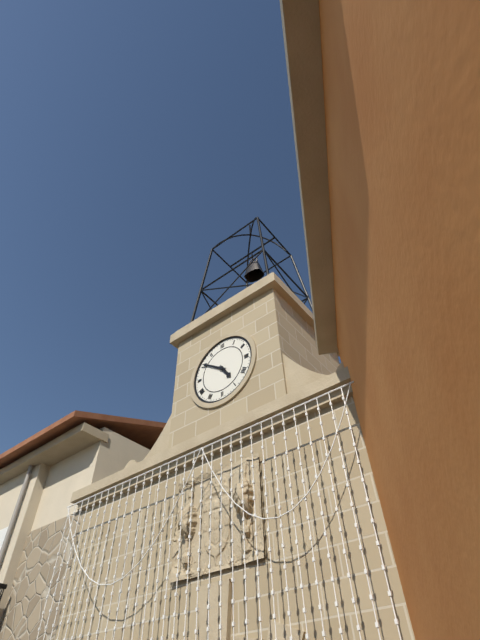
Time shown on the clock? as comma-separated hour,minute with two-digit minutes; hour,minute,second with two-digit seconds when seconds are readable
4,51
